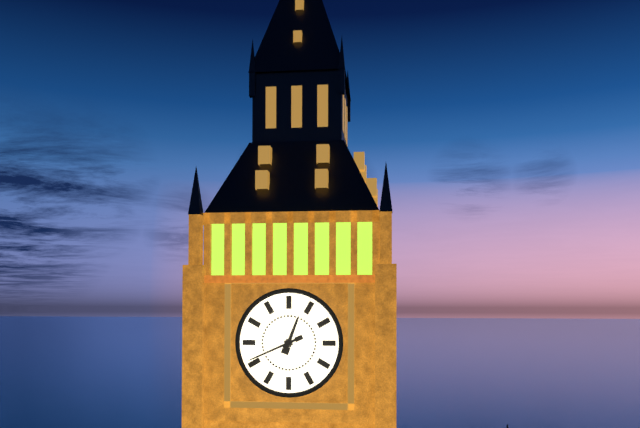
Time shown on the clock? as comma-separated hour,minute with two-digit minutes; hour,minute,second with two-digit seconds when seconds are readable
12,41
